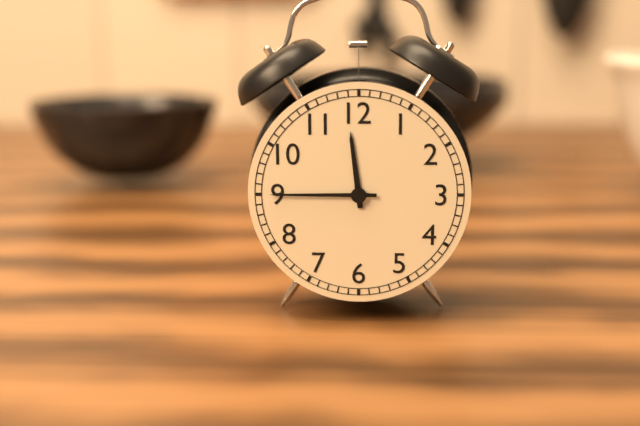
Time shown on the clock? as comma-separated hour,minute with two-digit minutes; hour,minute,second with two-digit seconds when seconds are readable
11,45
